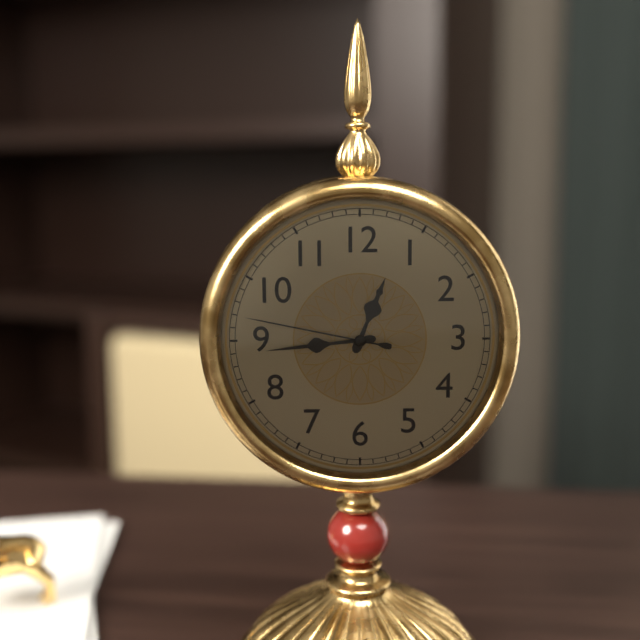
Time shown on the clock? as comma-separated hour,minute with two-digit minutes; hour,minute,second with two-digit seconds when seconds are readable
12,44,47
